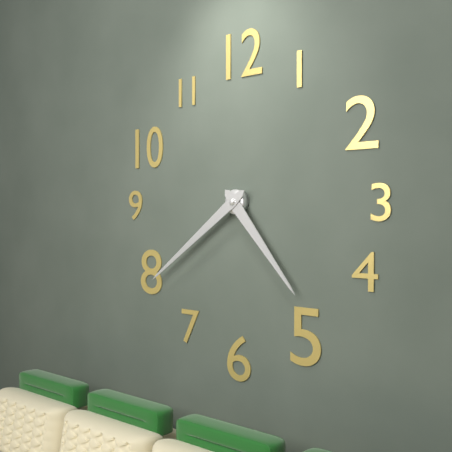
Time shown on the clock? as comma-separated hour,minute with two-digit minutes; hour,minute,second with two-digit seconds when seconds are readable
4,39
